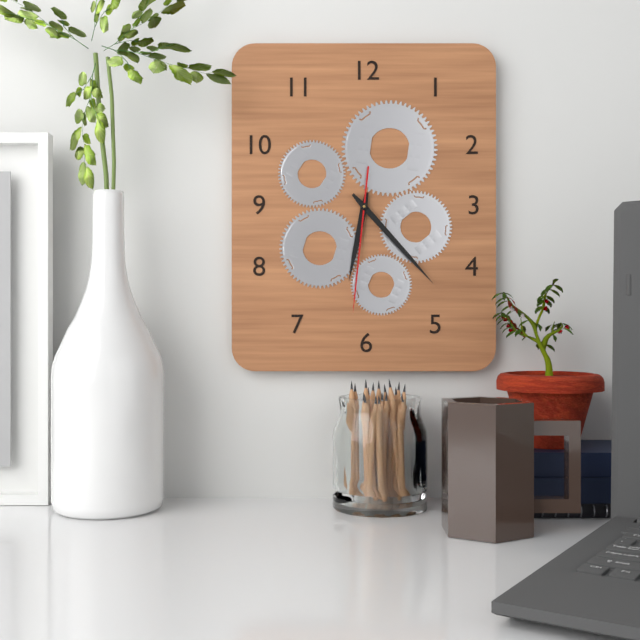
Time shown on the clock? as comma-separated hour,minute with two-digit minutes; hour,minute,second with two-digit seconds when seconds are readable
6,23,31
